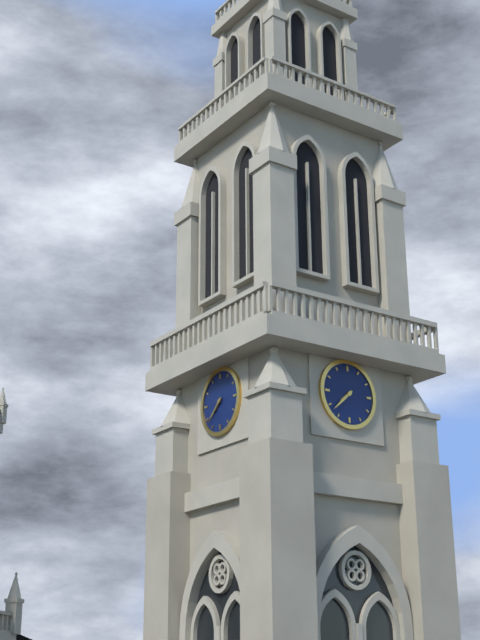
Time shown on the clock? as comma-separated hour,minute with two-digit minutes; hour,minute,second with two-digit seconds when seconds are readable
7,38
